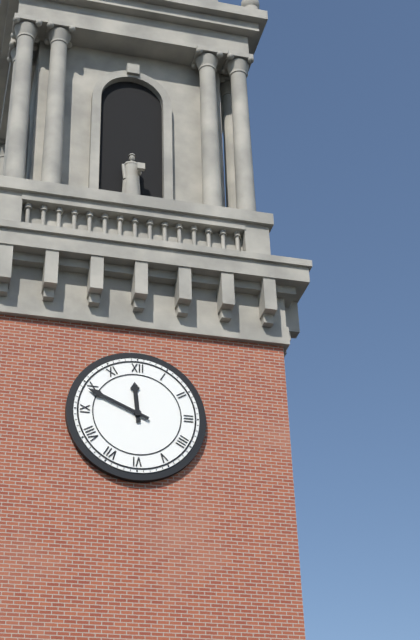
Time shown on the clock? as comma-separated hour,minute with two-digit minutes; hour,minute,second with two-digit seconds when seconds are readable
11,49
